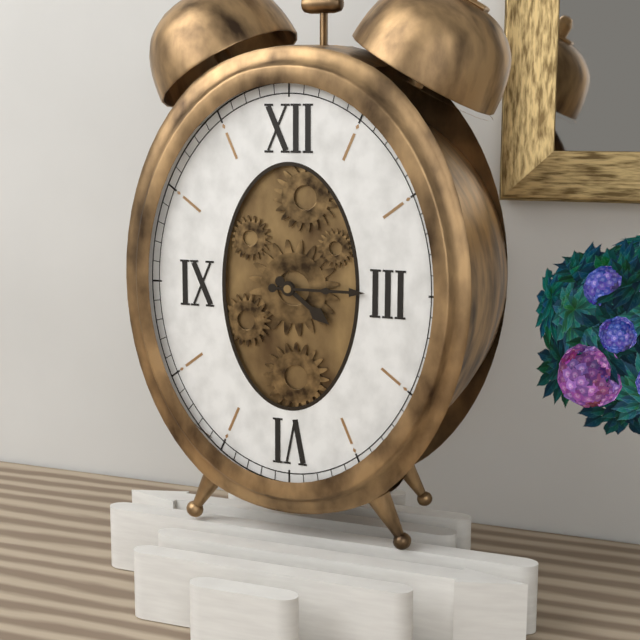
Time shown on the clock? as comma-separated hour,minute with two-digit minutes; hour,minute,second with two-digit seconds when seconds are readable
4,15
